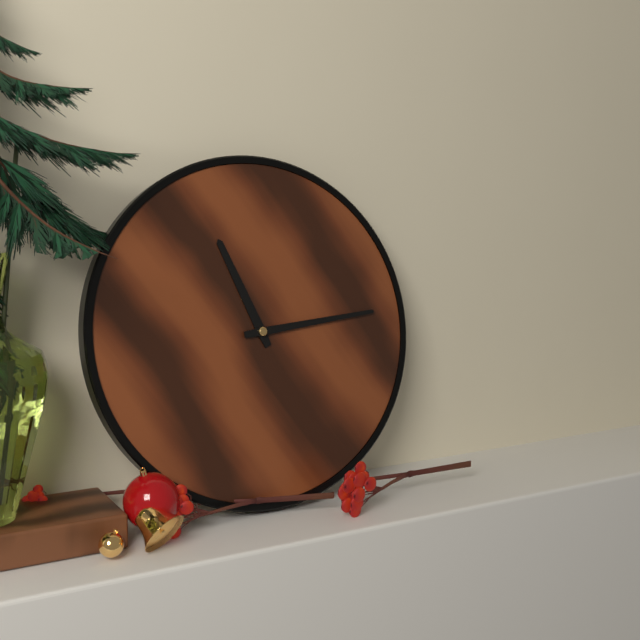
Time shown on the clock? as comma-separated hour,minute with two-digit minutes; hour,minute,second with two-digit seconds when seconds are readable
11,14
